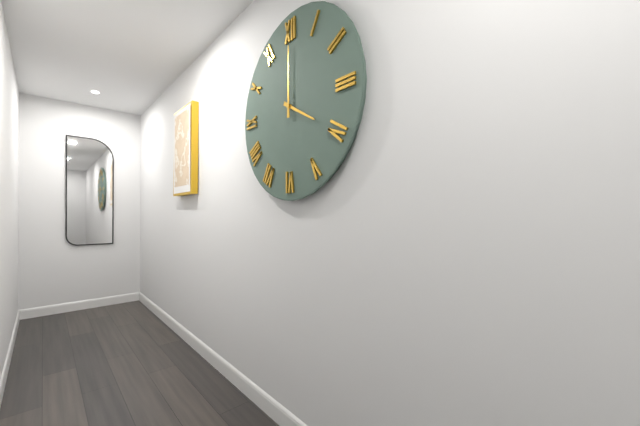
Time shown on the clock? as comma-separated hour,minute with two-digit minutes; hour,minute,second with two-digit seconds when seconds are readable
4,00
